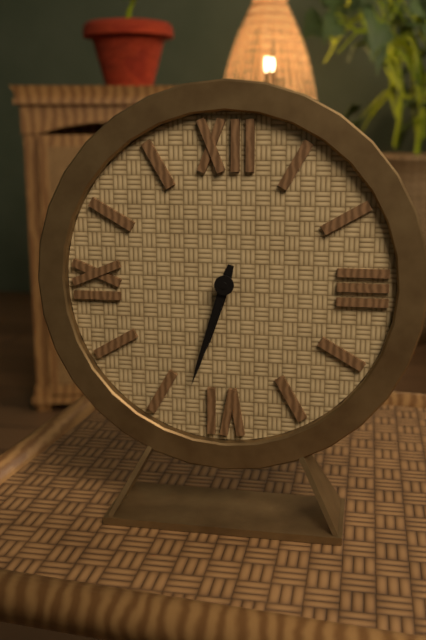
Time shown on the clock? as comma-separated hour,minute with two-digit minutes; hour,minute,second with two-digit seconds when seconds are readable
6,33
